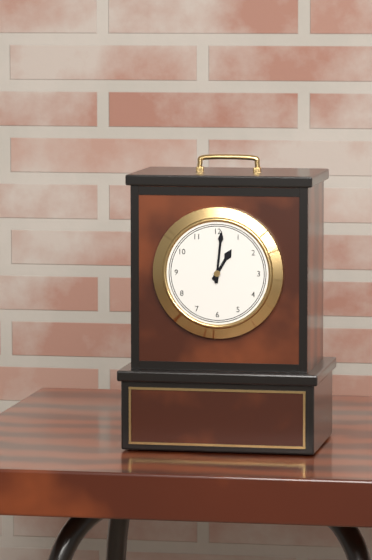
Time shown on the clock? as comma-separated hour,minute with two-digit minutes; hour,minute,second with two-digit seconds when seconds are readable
1,01
